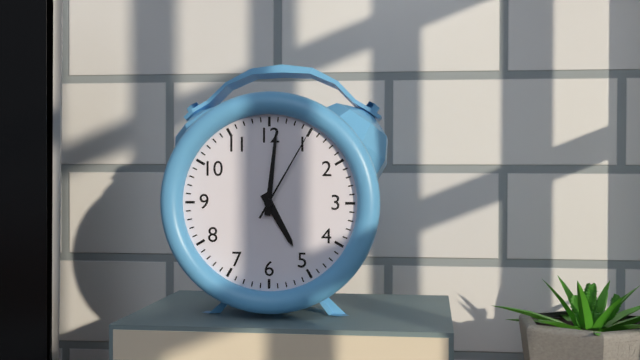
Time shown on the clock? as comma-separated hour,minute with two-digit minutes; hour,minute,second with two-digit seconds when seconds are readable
5,01,05
